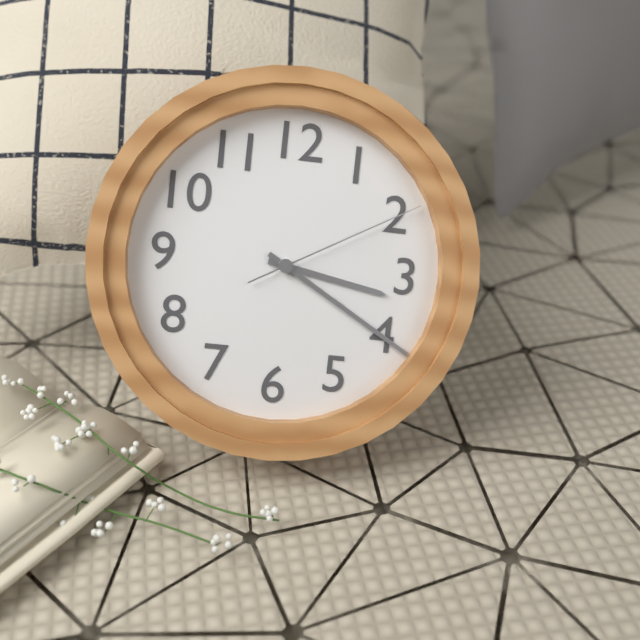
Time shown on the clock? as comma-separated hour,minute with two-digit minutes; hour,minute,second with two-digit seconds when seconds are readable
3,20,10
